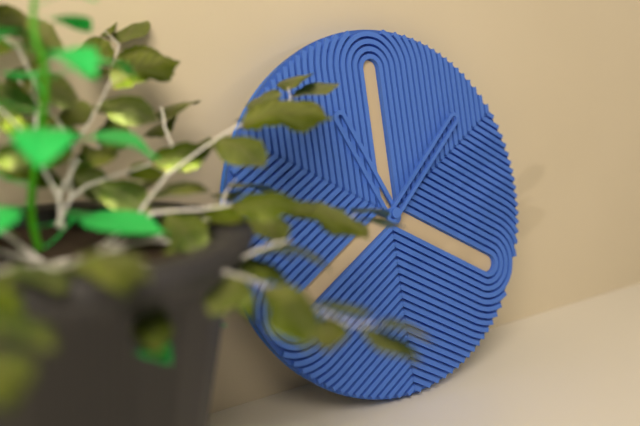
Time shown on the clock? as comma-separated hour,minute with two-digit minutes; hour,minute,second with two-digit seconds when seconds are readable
11,08
